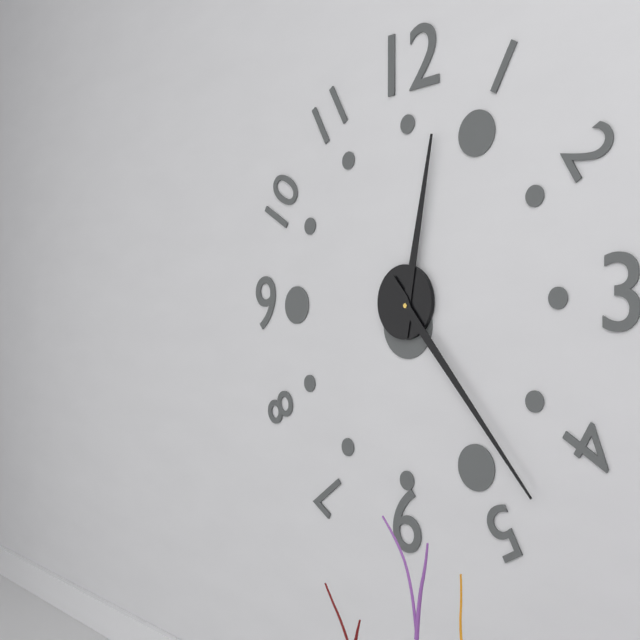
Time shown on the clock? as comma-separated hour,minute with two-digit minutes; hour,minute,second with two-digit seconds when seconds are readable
12,23
